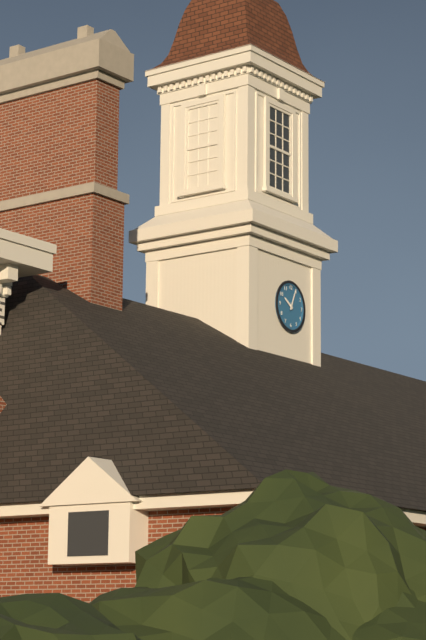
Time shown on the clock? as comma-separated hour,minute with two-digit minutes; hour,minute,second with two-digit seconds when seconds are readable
10,04
